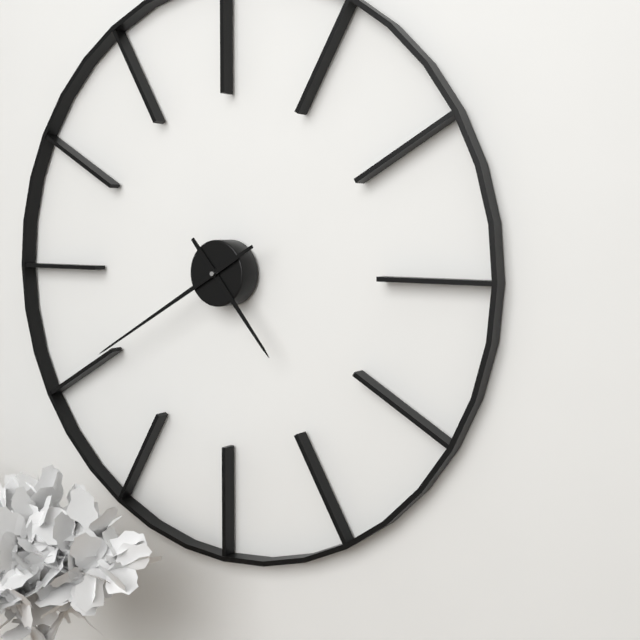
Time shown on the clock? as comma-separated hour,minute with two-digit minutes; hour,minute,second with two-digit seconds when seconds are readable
4,40
